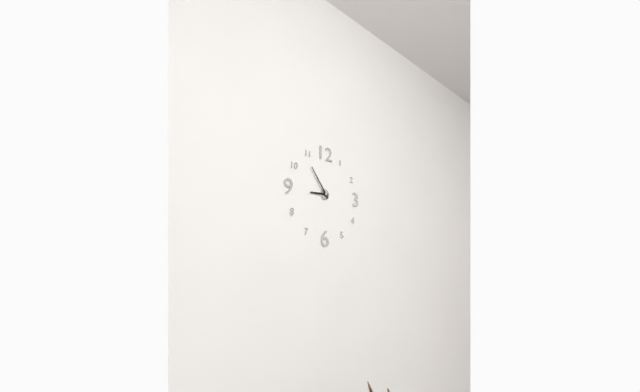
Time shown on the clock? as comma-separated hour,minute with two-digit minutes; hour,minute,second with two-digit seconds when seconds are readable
8,54
